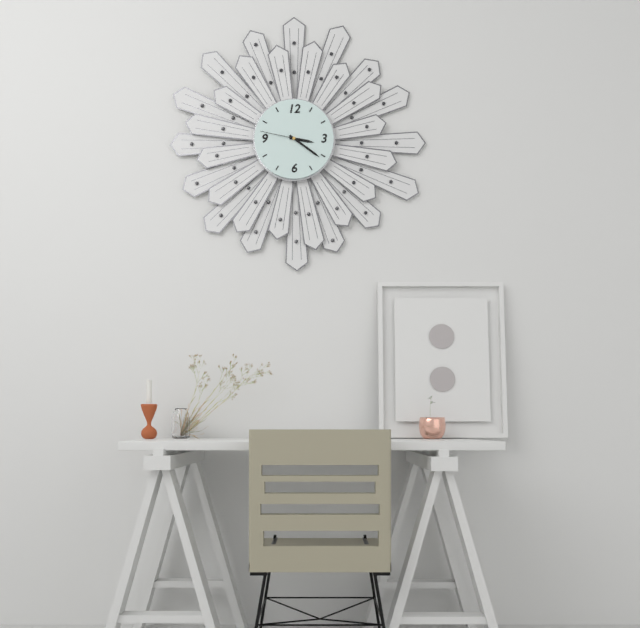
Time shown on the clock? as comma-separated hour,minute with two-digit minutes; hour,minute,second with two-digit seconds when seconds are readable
3,21
